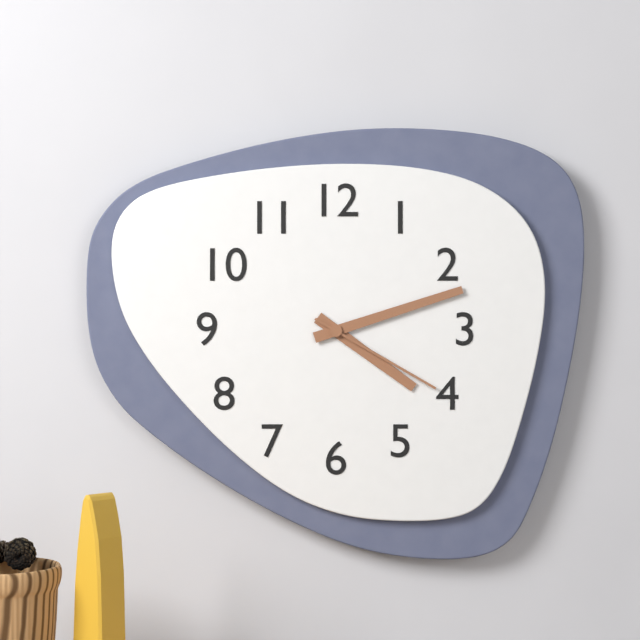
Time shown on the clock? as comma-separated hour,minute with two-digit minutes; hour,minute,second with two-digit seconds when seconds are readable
4,12,20
